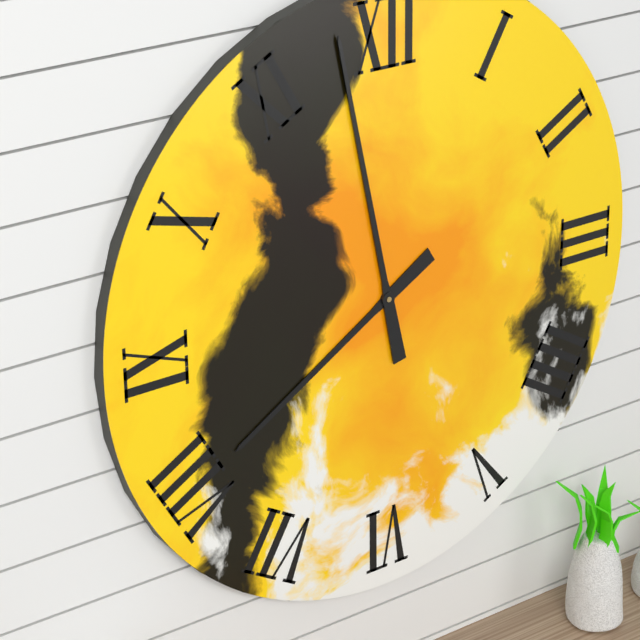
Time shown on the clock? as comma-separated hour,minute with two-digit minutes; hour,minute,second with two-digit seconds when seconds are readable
7,58
